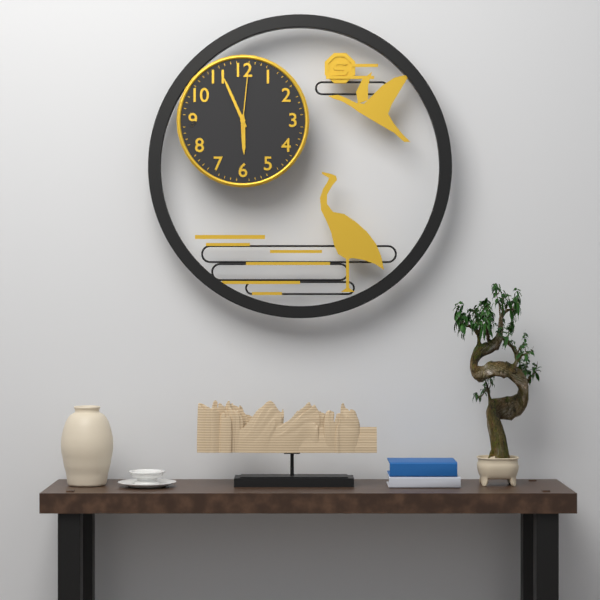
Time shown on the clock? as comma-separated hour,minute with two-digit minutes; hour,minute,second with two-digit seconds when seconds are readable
5,56,01
